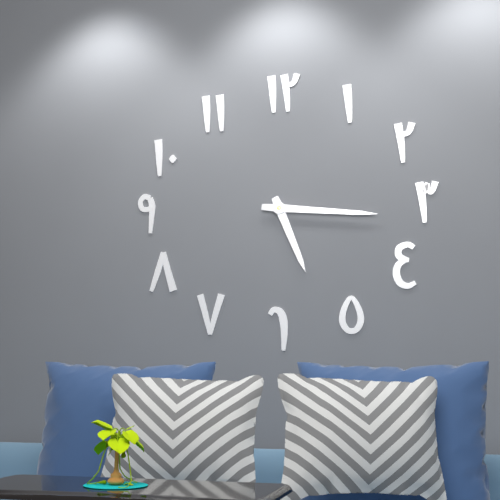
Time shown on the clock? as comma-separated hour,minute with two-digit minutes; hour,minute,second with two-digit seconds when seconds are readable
5,16
